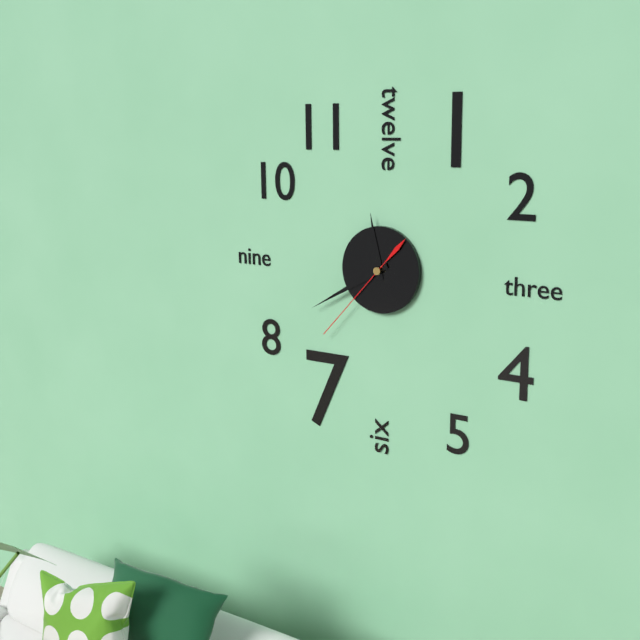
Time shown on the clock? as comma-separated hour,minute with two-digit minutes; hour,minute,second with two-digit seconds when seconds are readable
11,40,37
